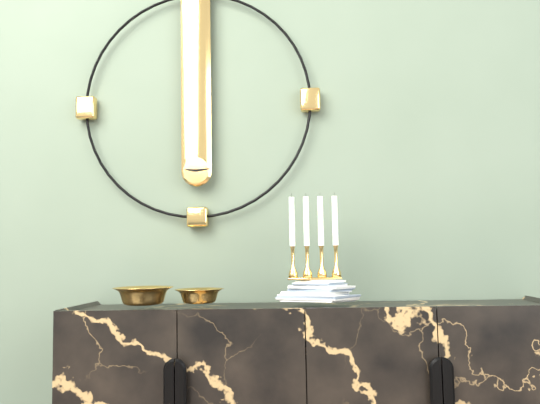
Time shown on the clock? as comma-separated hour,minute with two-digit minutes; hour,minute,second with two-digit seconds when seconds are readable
9,14
